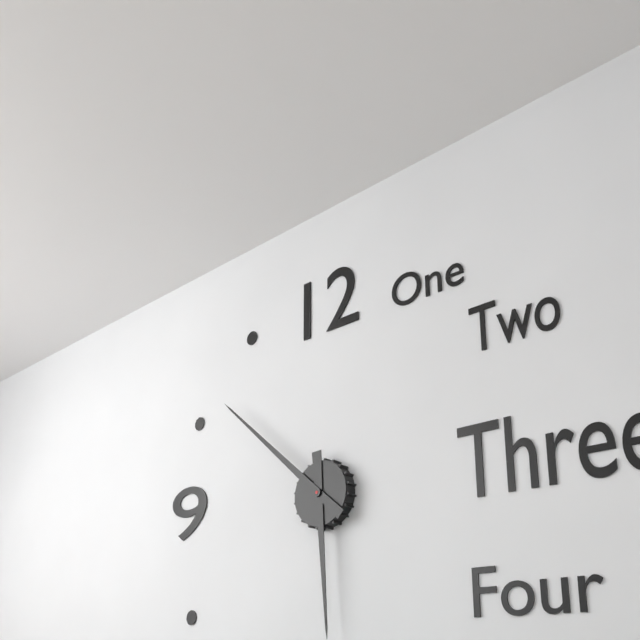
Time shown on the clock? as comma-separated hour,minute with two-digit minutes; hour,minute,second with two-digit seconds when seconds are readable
5,52
